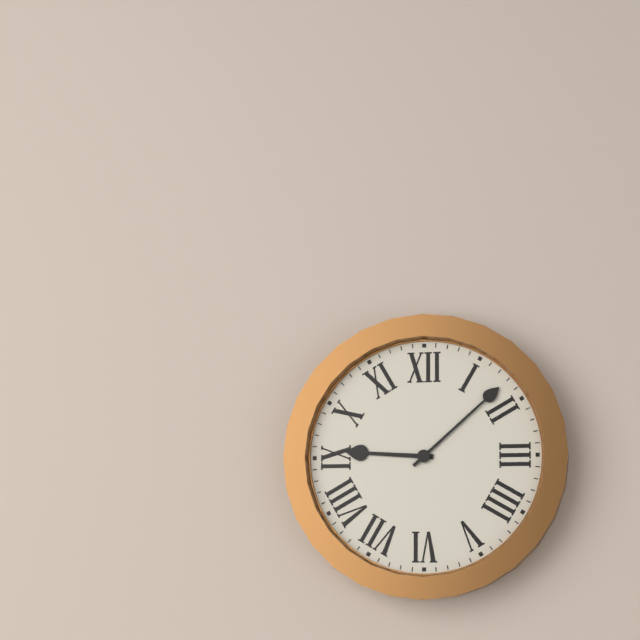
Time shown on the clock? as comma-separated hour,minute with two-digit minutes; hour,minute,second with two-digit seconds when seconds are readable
9,08
